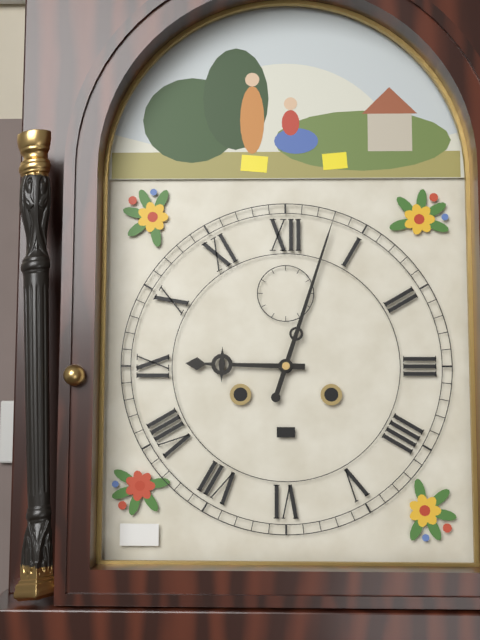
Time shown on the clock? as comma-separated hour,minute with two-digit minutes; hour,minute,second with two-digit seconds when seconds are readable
9,03
